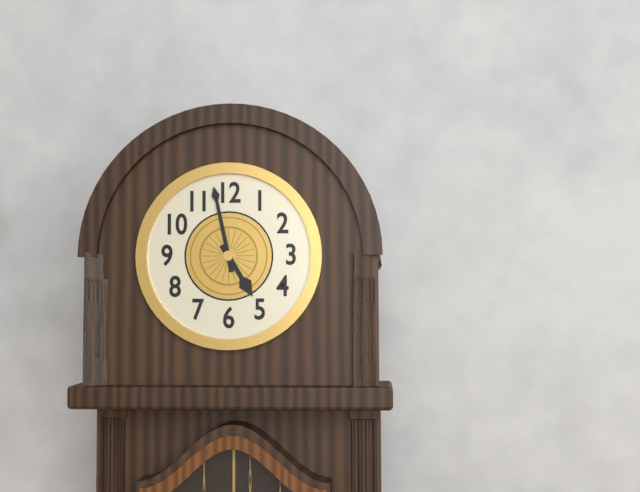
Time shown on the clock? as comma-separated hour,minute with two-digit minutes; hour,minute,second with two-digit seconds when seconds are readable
4,58
